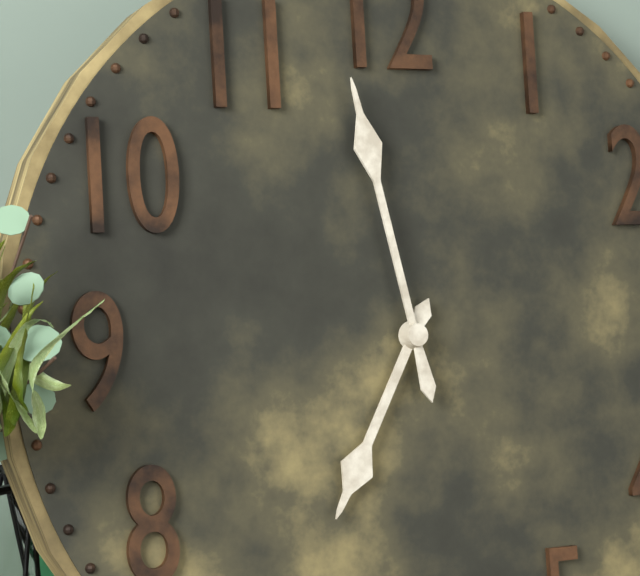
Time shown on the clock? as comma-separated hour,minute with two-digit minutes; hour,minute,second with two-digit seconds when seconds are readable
6,58
